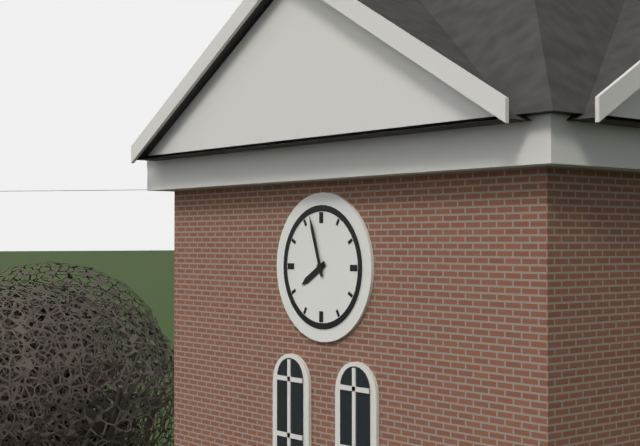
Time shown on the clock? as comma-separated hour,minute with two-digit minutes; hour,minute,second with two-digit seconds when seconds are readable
7,57
